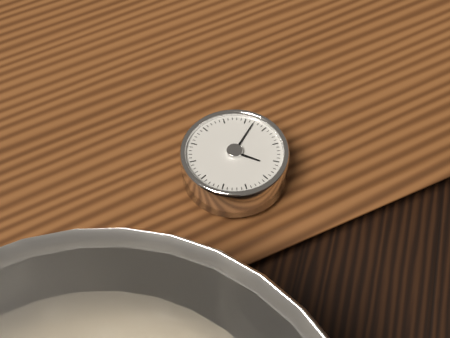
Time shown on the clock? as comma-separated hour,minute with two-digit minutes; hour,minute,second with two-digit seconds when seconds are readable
6,17
